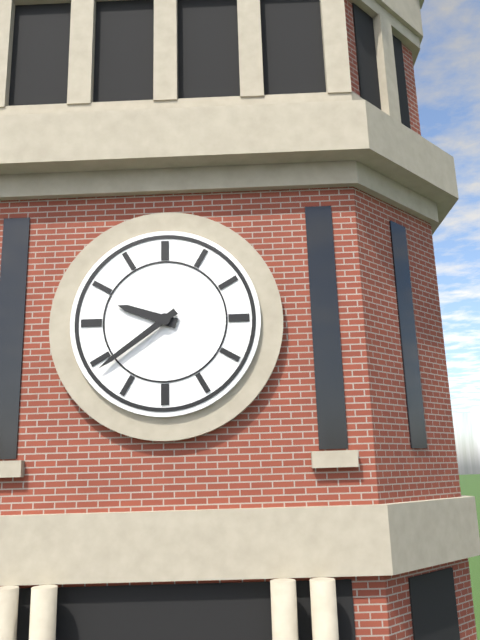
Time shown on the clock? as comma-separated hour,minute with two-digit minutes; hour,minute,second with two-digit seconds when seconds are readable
9,39
